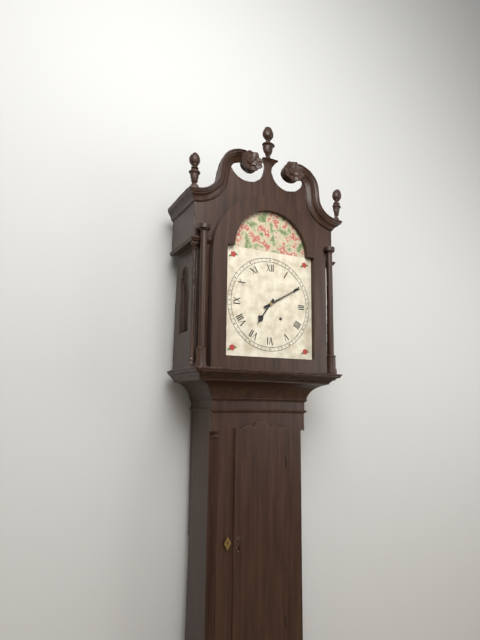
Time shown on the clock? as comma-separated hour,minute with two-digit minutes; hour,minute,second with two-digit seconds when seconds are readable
7,10
